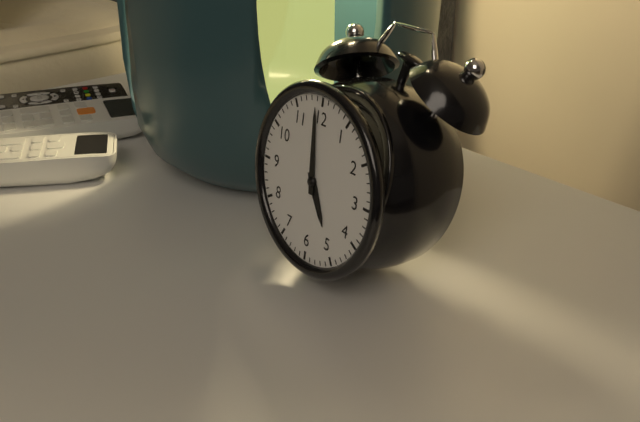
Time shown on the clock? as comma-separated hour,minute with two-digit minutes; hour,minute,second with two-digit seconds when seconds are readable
4,59
